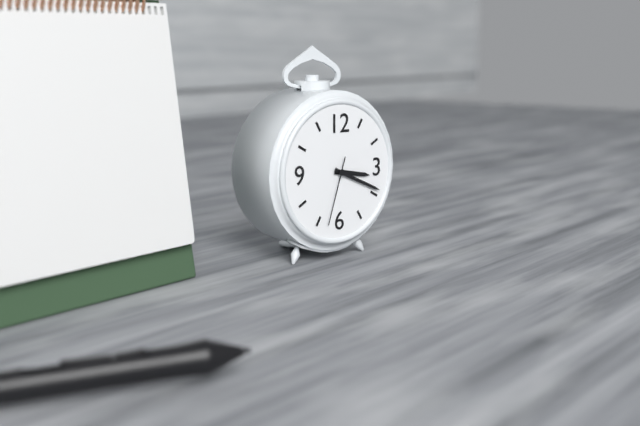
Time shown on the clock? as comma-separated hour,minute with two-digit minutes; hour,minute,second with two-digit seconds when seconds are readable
3,19,33
